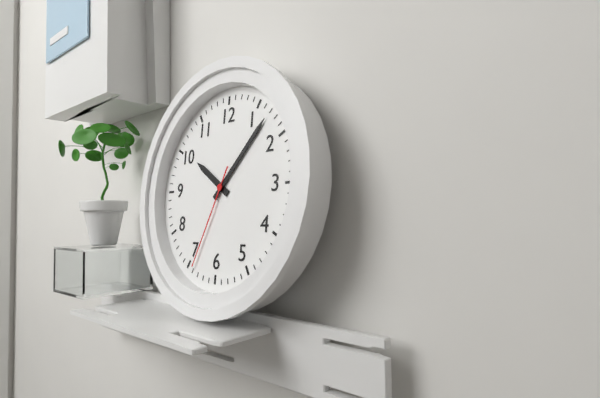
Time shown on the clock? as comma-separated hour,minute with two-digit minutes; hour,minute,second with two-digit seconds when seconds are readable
10,07,34
